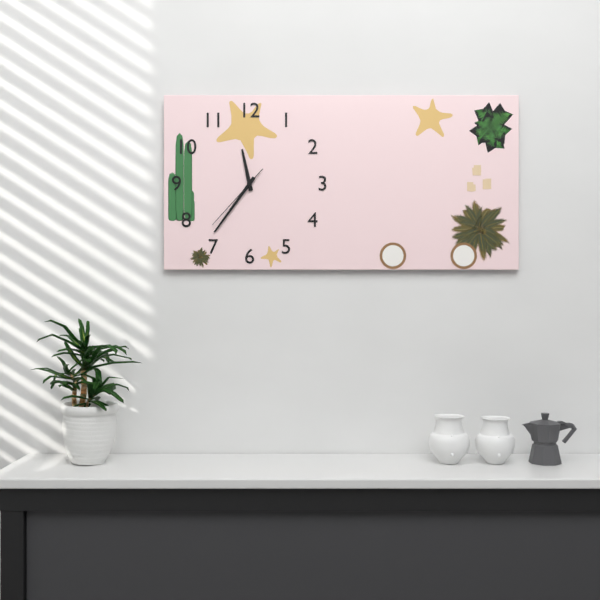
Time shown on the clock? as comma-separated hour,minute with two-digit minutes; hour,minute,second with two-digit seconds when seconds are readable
11,36,37
